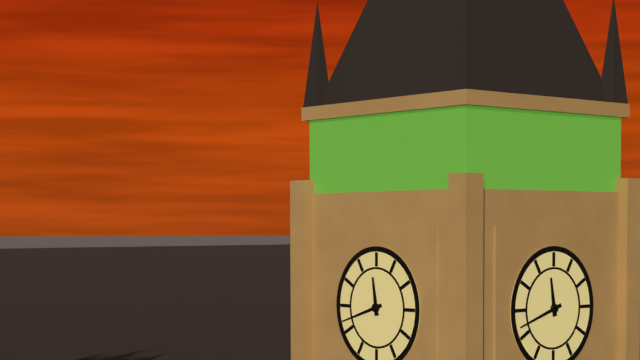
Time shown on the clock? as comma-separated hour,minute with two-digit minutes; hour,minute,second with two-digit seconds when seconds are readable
11,42
